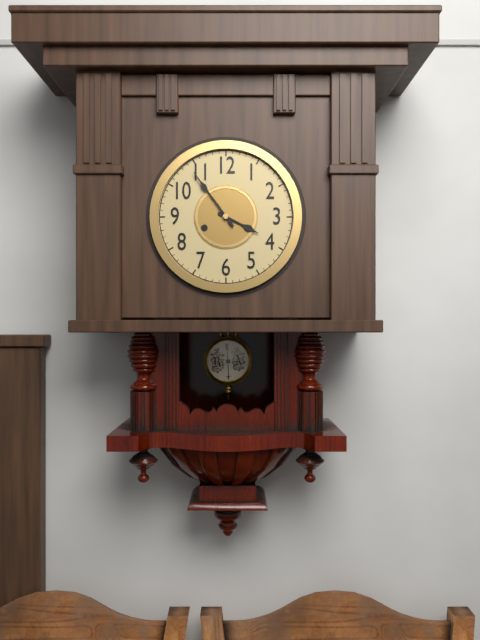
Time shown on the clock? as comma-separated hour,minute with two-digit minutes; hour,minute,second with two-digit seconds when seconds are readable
3,54
